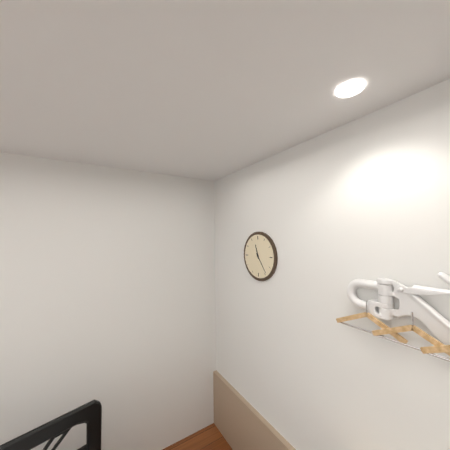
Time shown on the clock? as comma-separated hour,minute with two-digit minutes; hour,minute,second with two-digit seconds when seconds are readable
11,24
